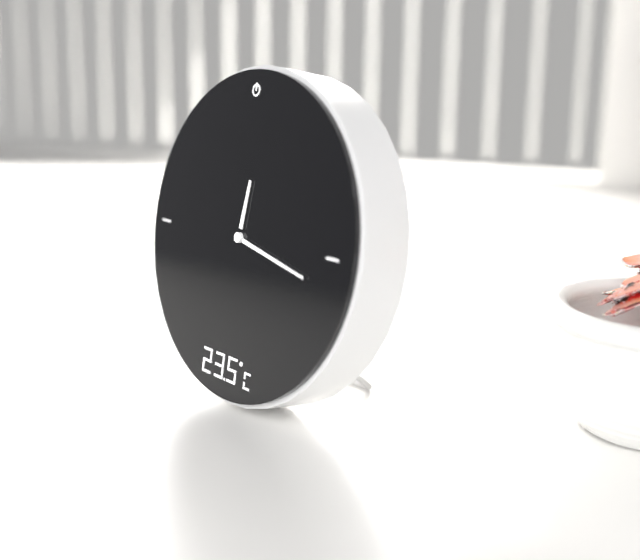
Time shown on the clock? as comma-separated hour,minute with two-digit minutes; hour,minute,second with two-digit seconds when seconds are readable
12,17
